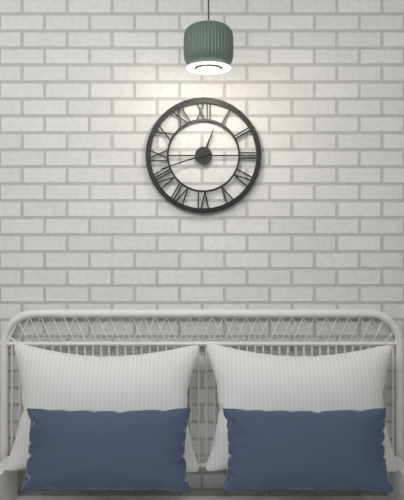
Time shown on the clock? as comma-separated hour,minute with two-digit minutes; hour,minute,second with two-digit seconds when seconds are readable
12,42
